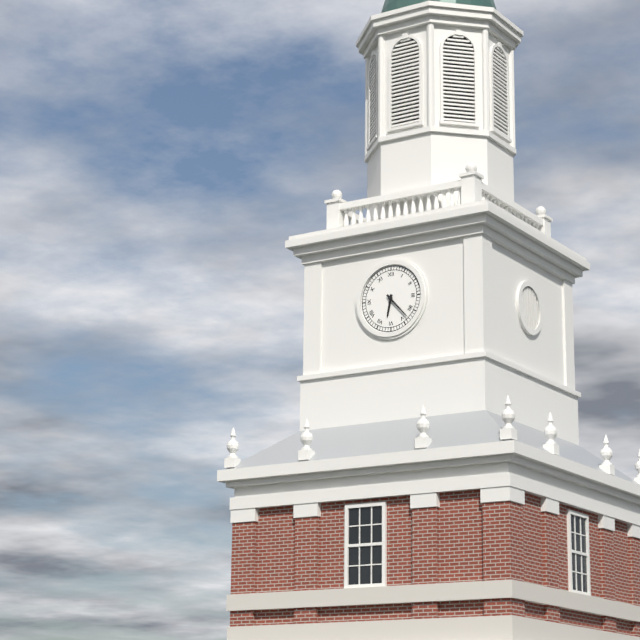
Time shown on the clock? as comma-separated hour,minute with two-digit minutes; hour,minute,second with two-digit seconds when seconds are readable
6,23
